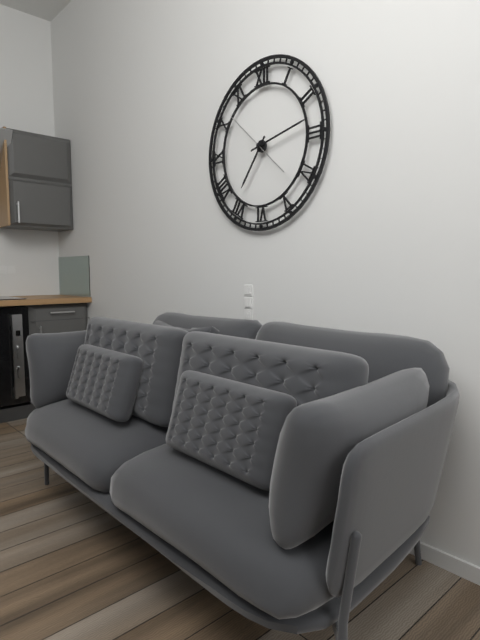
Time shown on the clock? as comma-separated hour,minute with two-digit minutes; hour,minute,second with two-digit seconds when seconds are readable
7,13,52
